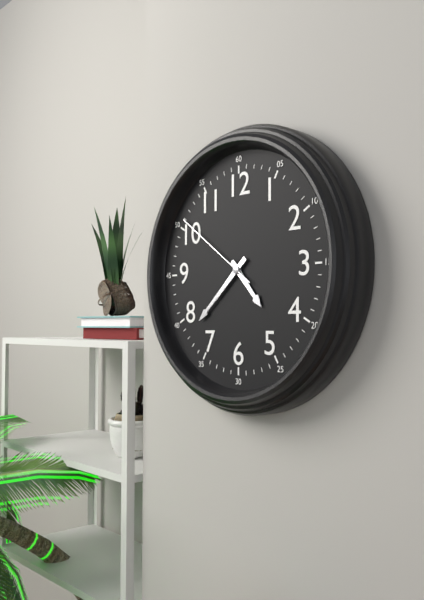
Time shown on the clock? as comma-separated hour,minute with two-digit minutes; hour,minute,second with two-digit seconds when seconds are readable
4,38,51
